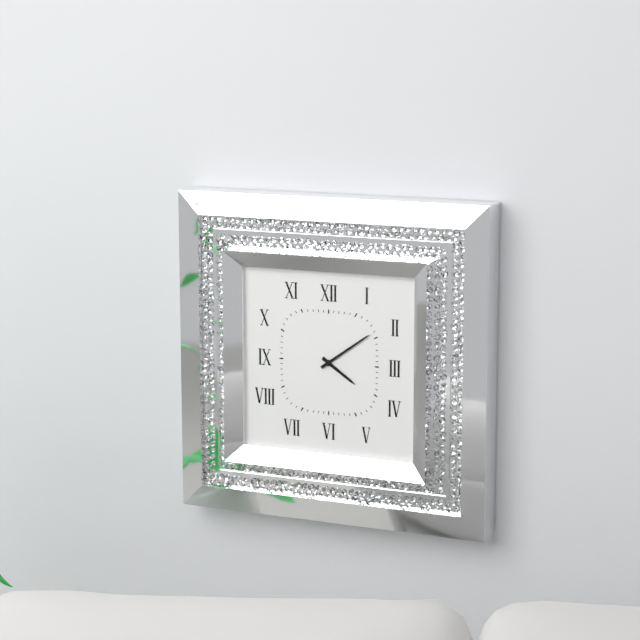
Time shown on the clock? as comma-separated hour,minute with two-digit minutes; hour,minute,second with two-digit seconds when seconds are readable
4,09
